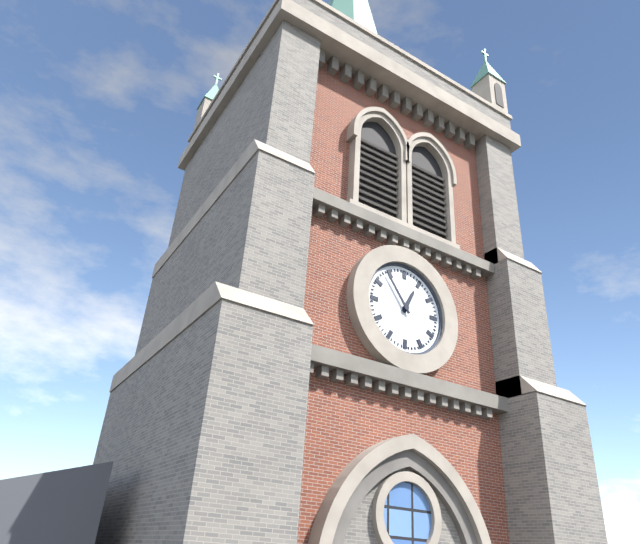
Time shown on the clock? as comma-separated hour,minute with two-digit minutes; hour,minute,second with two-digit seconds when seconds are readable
12,54
